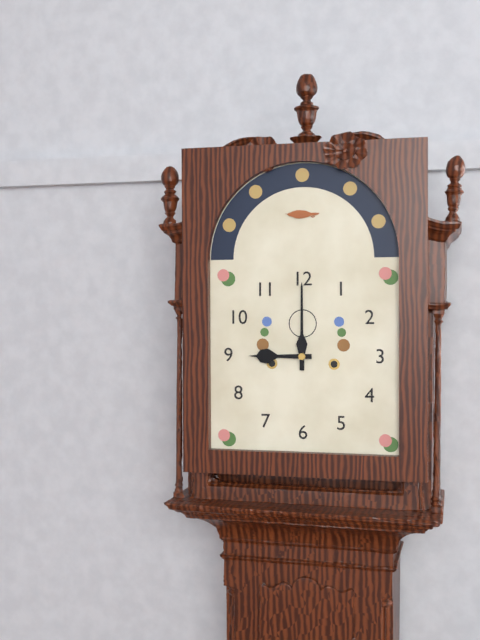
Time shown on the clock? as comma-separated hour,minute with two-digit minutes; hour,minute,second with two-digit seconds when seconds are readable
9,00
